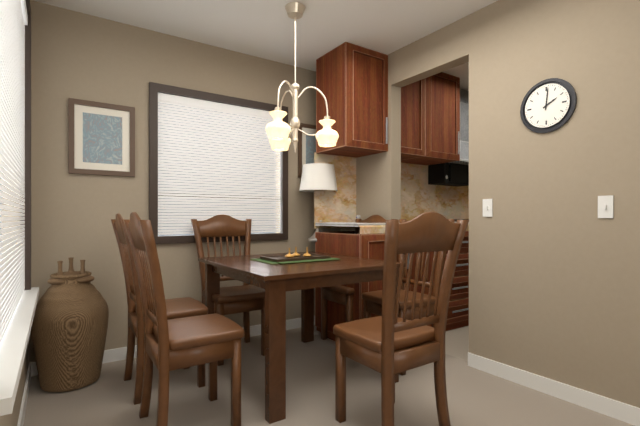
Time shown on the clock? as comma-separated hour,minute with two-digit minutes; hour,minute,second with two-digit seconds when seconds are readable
2,01
